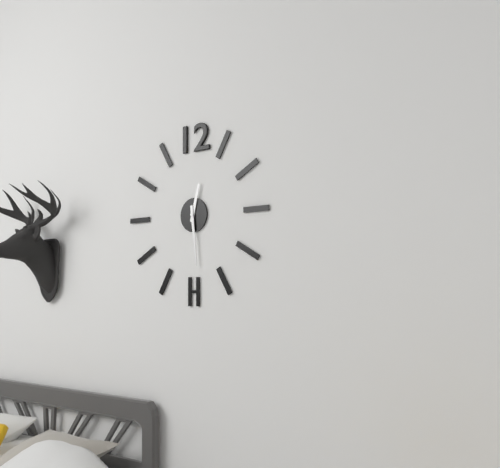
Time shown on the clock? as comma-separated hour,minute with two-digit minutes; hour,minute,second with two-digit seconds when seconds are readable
12,29
